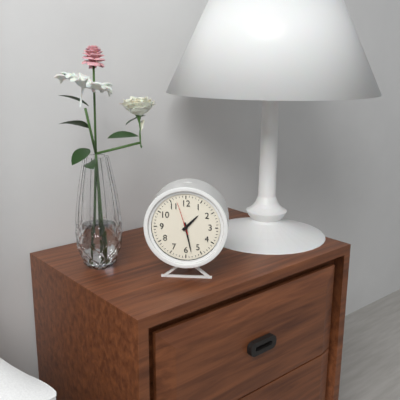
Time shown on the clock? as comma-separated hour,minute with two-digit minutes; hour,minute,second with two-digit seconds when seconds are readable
1,28
